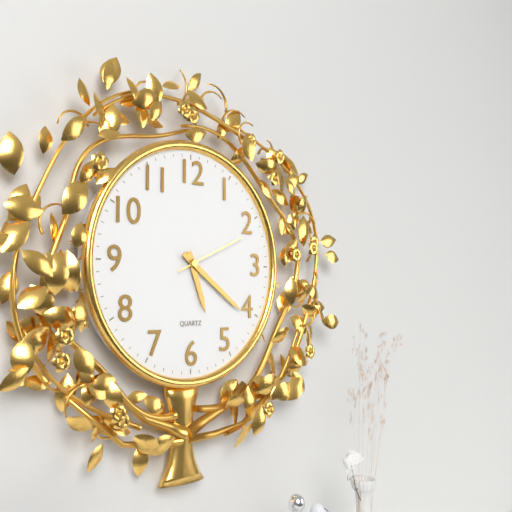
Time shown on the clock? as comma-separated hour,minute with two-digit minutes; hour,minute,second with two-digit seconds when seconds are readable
5,21,11
